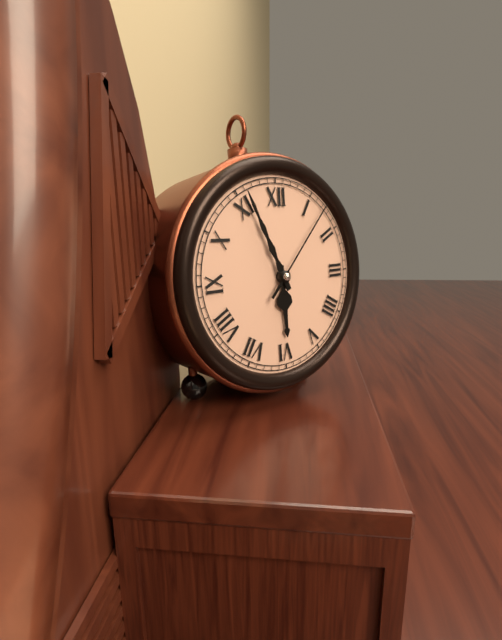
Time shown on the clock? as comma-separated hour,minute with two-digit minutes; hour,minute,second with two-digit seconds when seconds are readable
5,56,07
